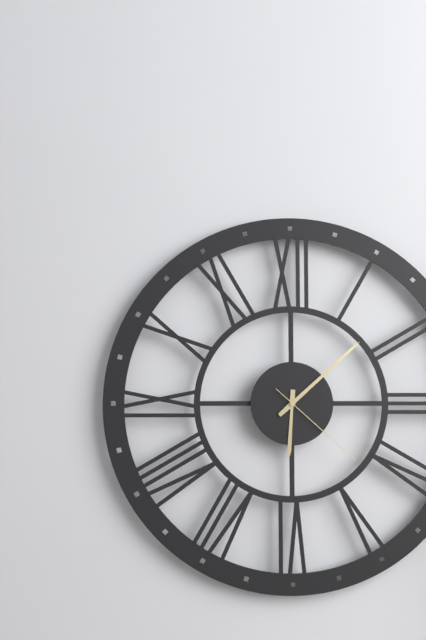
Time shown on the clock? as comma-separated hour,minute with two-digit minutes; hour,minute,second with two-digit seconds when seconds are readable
6,08,22
